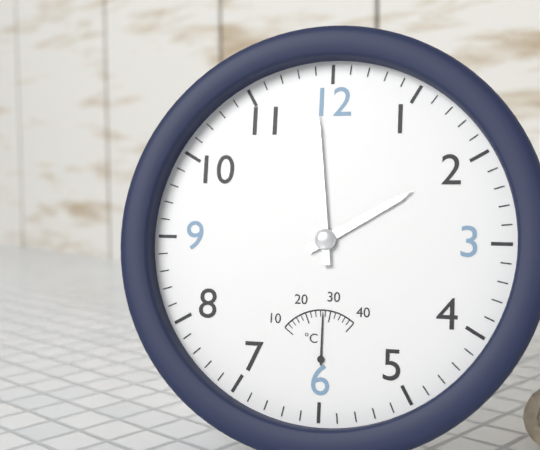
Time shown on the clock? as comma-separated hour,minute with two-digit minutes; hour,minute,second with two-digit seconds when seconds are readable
1,59
